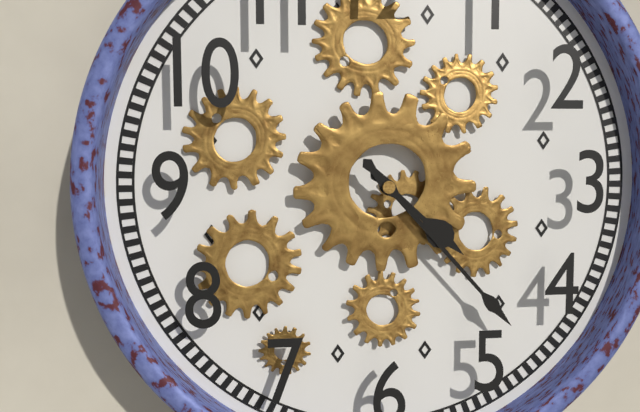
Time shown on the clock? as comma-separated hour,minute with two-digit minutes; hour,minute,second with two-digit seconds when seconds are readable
4,23
